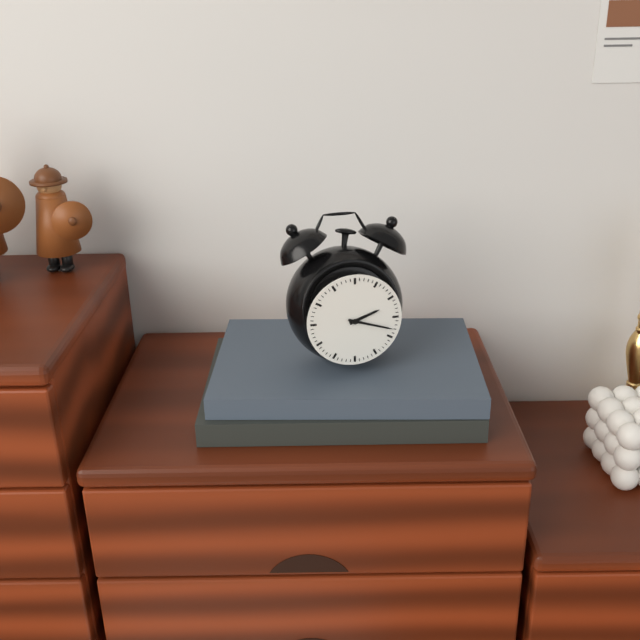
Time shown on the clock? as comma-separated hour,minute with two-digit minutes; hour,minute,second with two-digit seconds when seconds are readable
2,18
